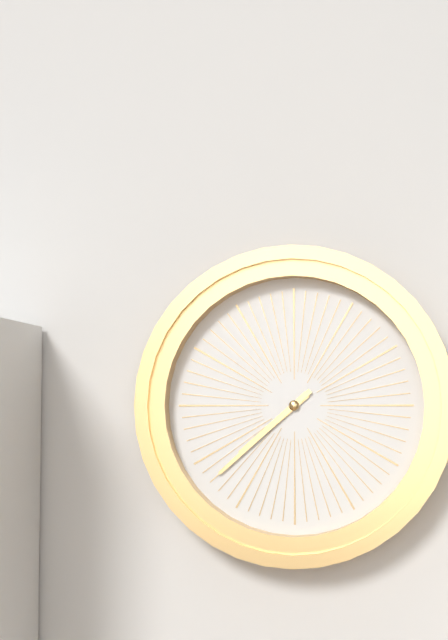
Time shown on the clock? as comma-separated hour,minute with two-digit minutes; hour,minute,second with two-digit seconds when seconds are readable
7,38
